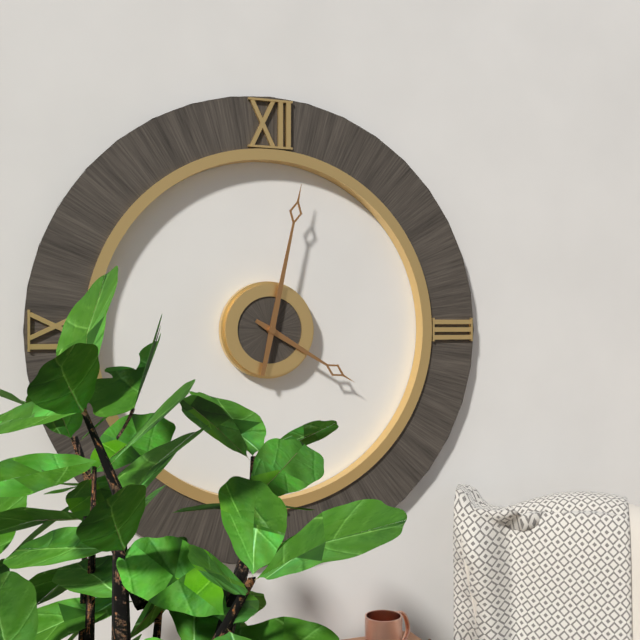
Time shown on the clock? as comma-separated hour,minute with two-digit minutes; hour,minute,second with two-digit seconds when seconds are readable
4,02
